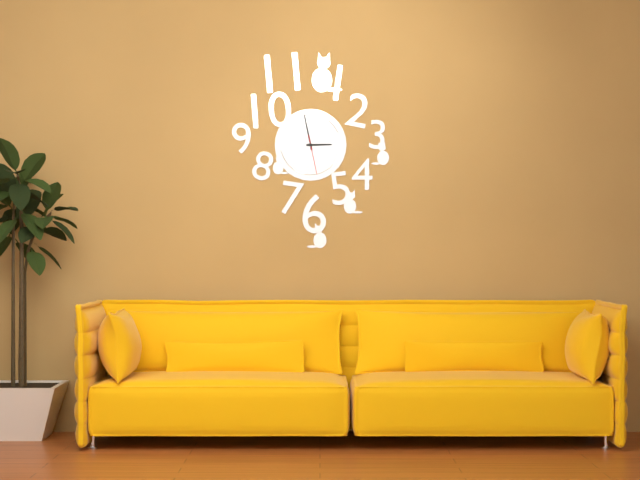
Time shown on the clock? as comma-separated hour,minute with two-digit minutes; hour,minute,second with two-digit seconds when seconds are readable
2,58
